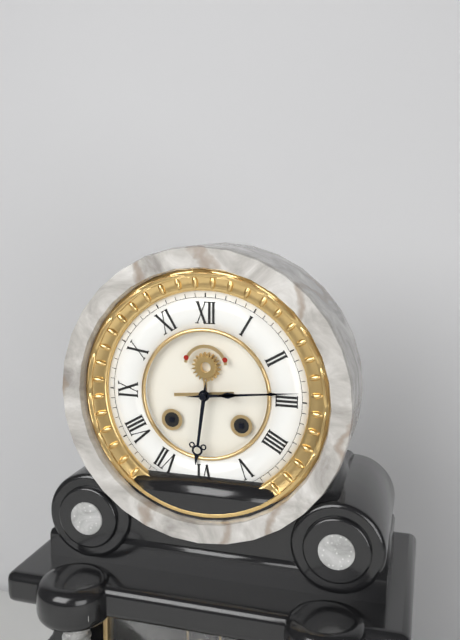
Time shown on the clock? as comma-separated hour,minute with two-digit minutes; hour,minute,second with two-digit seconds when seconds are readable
6,14
